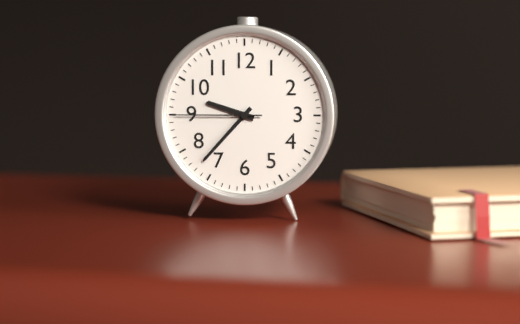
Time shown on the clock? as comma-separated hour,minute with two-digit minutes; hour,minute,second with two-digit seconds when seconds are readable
9,37,45
